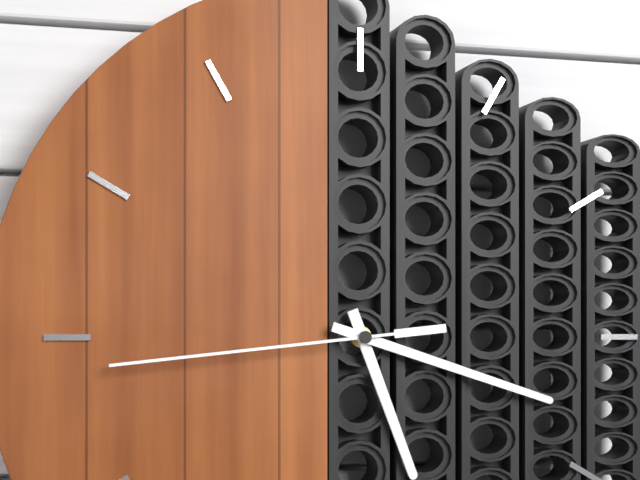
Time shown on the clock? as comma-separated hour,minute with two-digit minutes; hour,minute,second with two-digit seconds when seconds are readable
5,18,44
